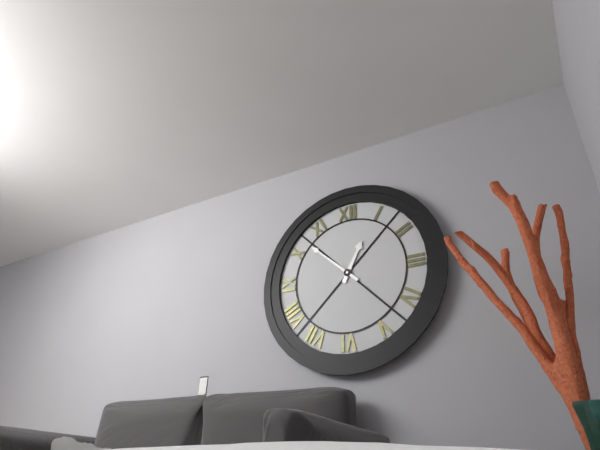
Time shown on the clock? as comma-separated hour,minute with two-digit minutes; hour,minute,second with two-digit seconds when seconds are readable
12,52
